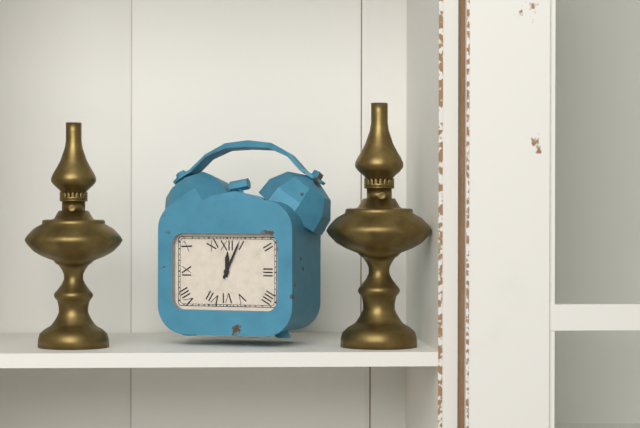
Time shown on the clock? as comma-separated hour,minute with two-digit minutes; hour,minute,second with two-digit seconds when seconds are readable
12,04
